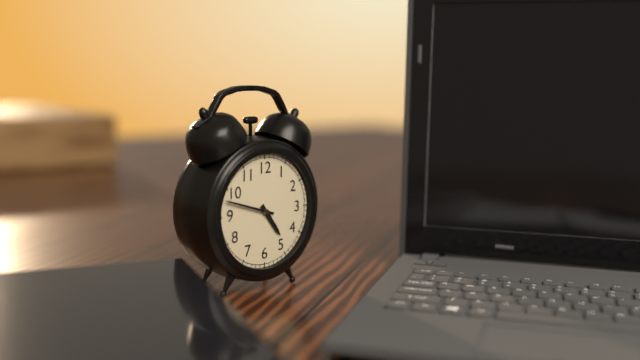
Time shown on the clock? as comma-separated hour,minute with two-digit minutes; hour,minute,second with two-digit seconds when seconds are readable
4,48
